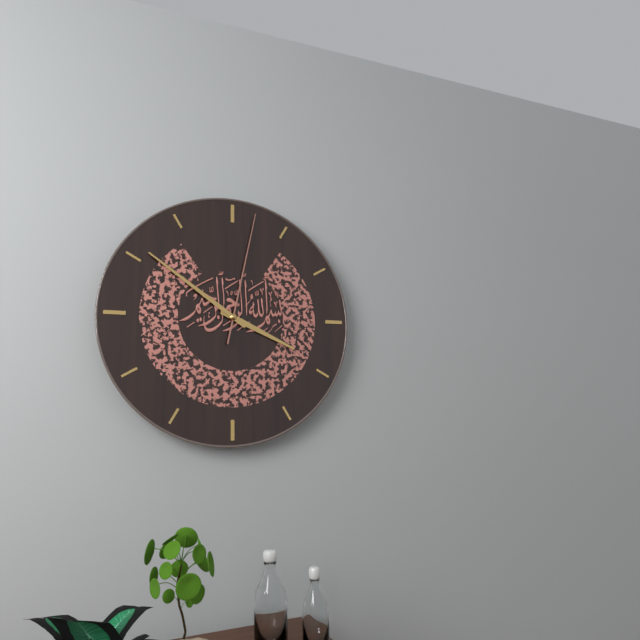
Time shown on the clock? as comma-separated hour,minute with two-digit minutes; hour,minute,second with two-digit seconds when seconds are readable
3,51,02
